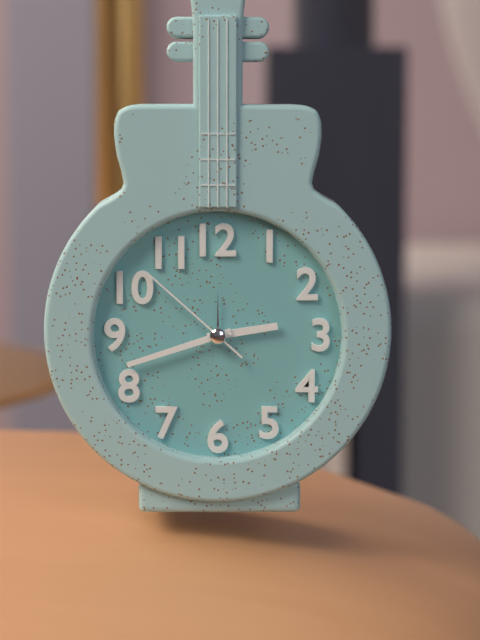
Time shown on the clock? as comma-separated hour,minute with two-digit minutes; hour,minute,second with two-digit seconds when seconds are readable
2,42,52
